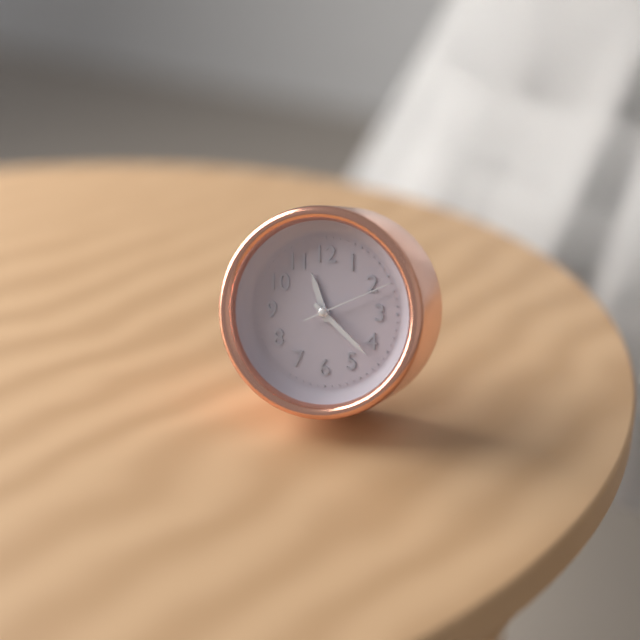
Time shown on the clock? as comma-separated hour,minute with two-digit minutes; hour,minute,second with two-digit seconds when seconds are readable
11,22,11
